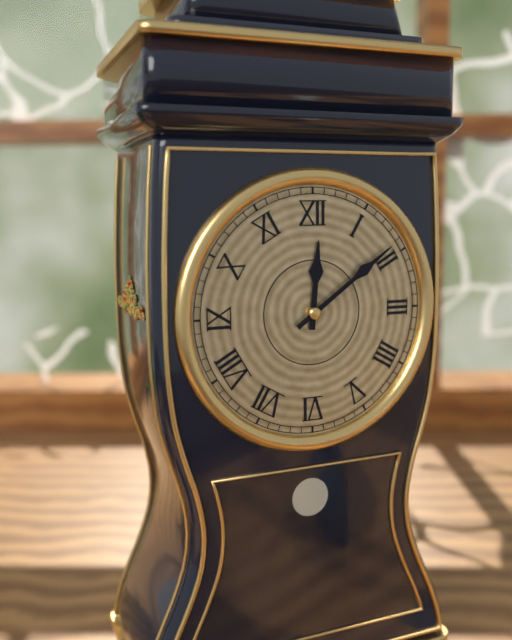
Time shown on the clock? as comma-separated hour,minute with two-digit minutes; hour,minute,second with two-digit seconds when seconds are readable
12,09
